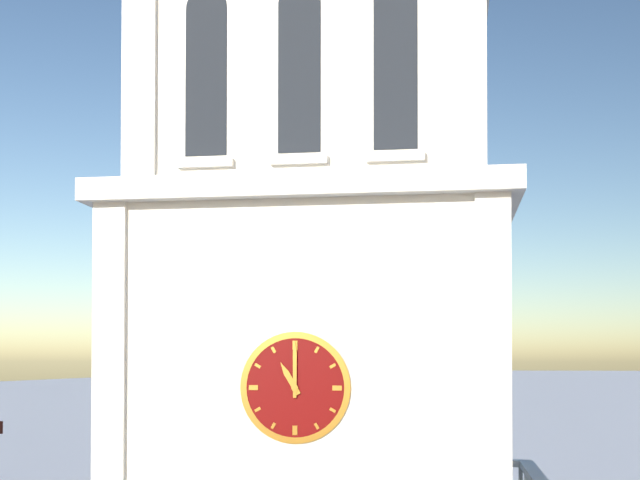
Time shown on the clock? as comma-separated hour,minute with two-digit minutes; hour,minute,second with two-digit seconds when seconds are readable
11,00
